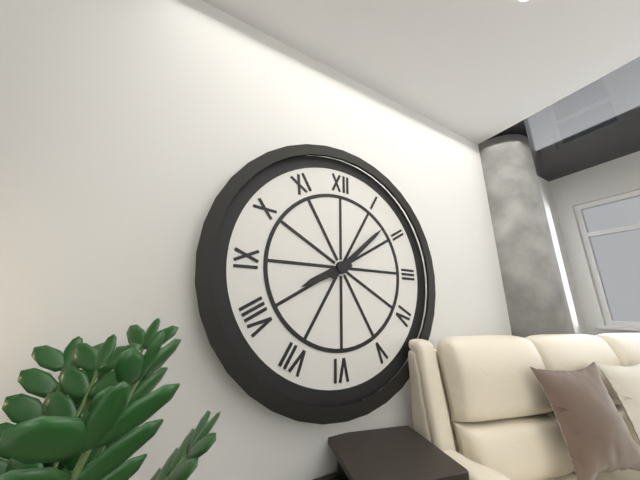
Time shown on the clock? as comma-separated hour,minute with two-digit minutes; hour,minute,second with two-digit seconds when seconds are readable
8,08
